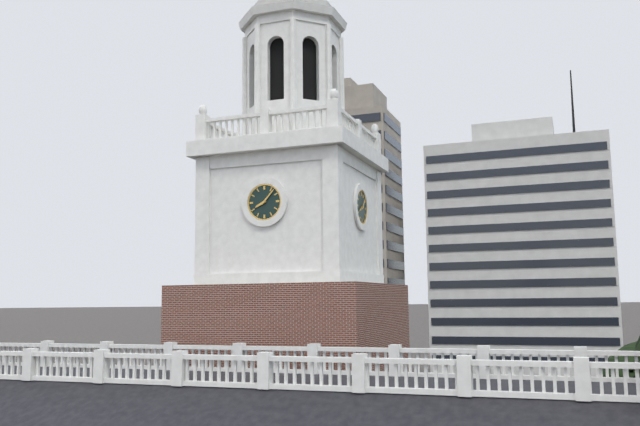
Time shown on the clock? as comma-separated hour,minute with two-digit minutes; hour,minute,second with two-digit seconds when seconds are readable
8,07
